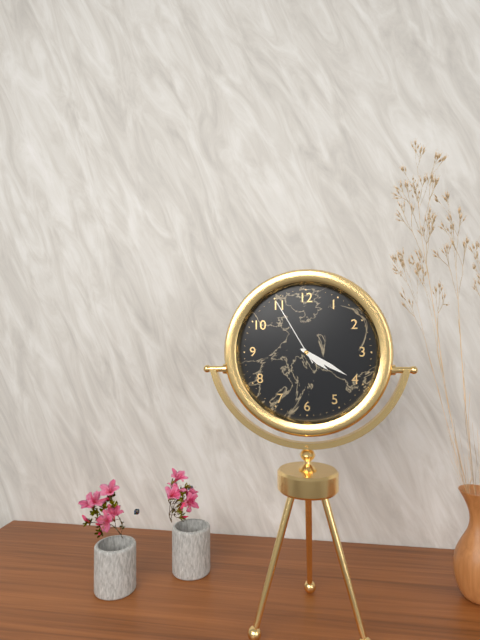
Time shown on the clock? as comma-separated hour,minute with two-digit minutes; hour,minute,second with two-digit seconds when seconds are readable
4,20,55
